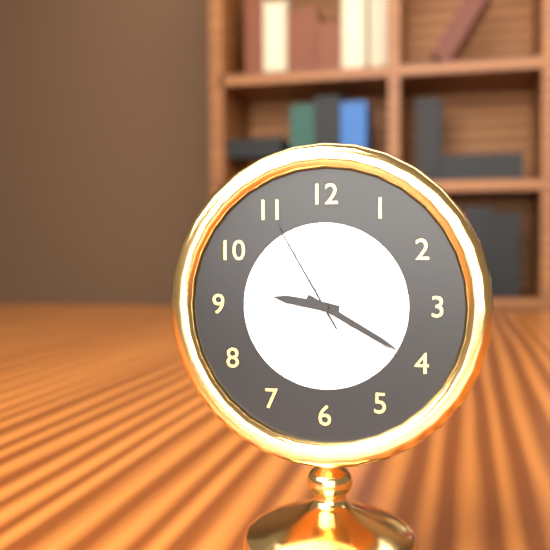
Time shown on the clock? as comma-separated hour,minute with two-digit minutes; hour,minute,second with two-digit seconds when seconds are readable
9,20,55
